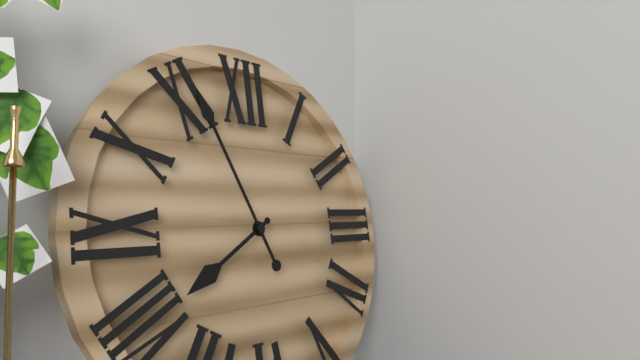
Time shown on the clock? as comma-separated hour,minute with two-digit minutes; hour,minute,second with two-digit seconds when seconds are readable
7,56
